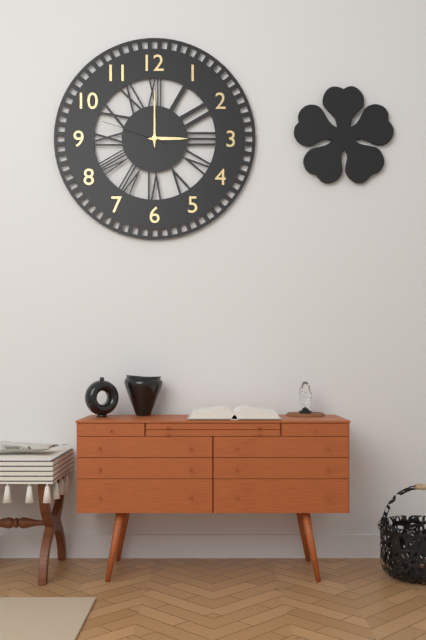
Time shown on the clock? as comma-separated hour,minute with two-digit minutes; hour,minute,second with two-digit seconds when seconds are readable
3,00,48
